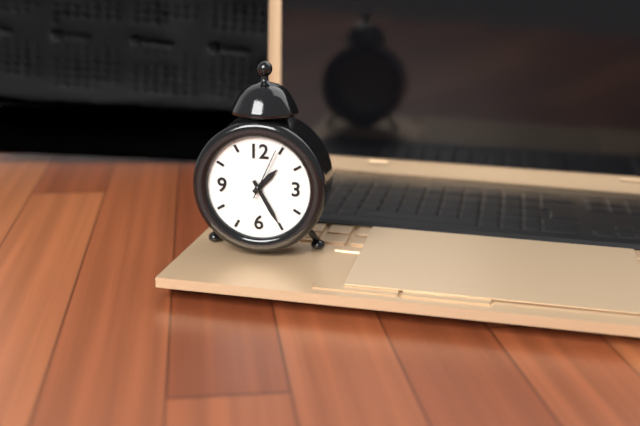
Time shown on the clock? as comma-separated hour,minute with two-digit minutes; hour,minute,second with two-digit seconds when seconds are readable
1,25,04
